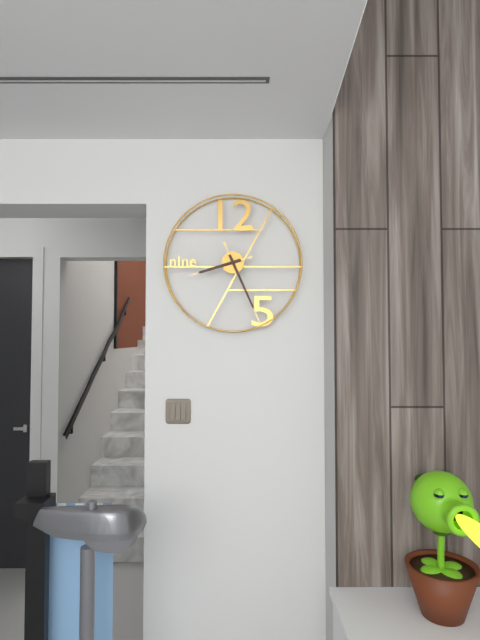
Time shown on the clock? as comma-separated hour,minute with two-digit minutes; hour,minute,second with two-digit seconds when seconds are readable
8,26
